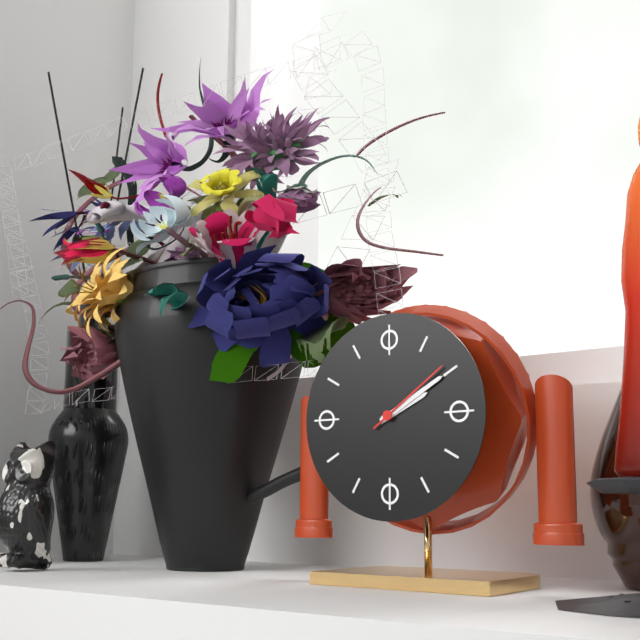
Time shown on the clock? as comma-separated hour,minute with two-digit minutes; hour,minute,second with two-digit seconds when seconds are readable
2,10,09
